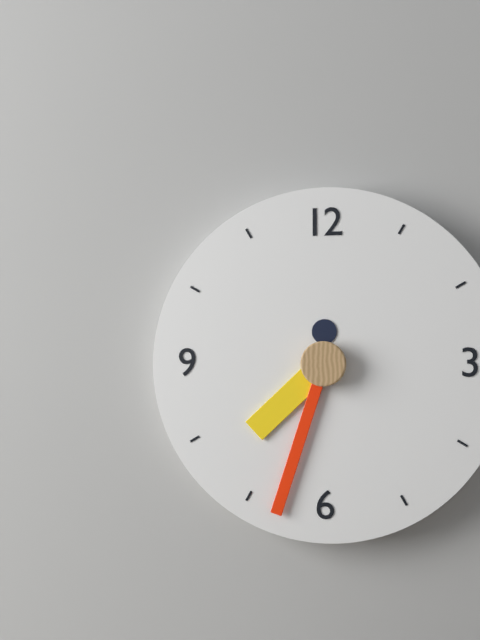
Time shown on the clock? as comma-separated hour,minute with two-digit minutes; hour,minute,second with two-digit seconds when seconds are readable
7,33
